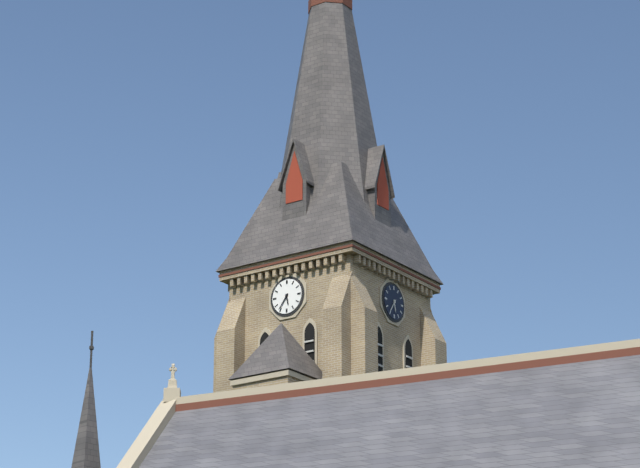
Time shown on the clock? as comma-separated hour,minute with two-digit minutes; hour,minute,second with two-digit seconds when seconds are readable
5,36
